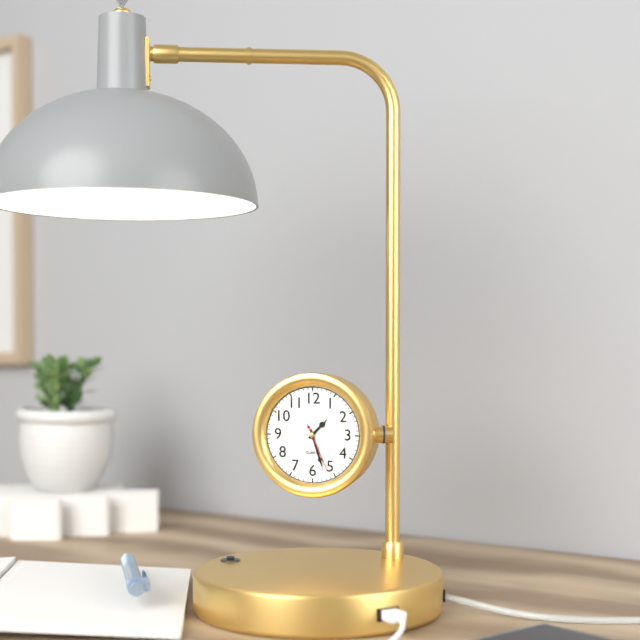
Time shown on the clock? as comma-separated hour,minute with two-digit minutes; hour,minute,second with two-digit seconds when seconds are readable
1,27
